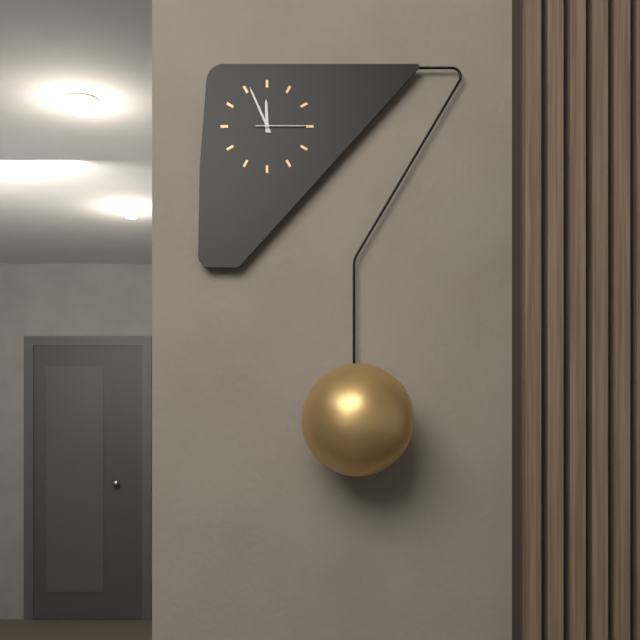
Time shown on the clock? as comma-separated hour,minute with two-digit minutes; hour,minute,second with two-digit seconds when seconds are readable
11,56,15
